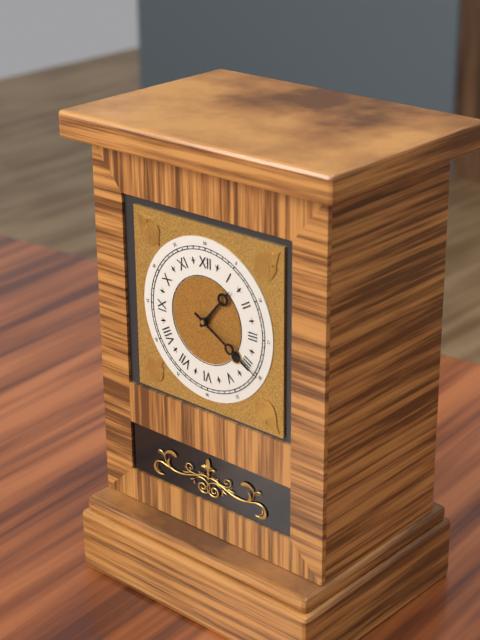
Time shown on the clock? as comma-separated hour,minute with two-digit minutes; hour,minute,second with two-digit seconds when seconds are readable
1,20
